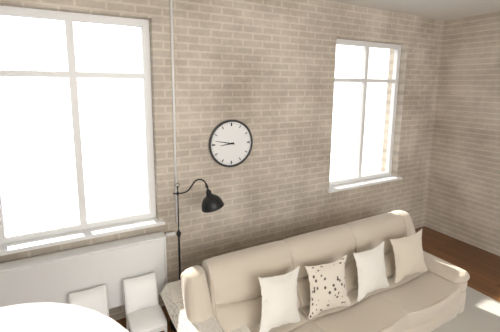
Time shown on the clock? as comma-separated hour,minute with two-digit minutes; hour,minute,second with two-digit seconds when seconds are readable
8,47
